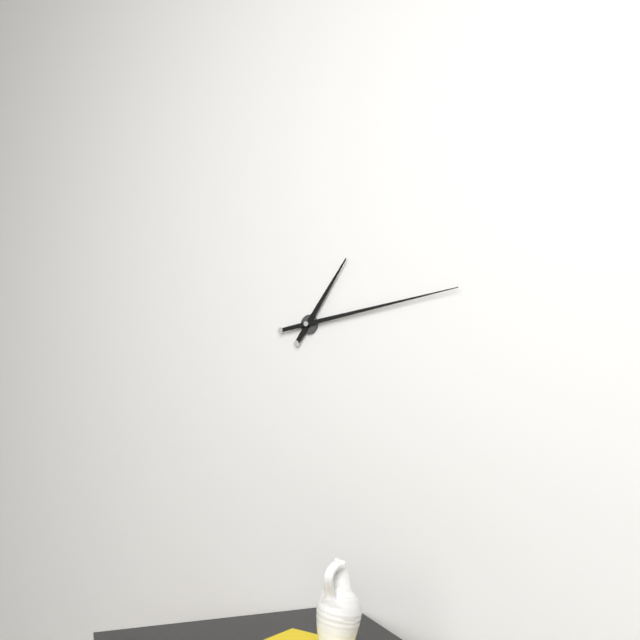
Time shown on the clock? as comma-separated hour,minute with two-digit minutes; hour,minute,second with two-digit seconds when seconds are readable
1,14
